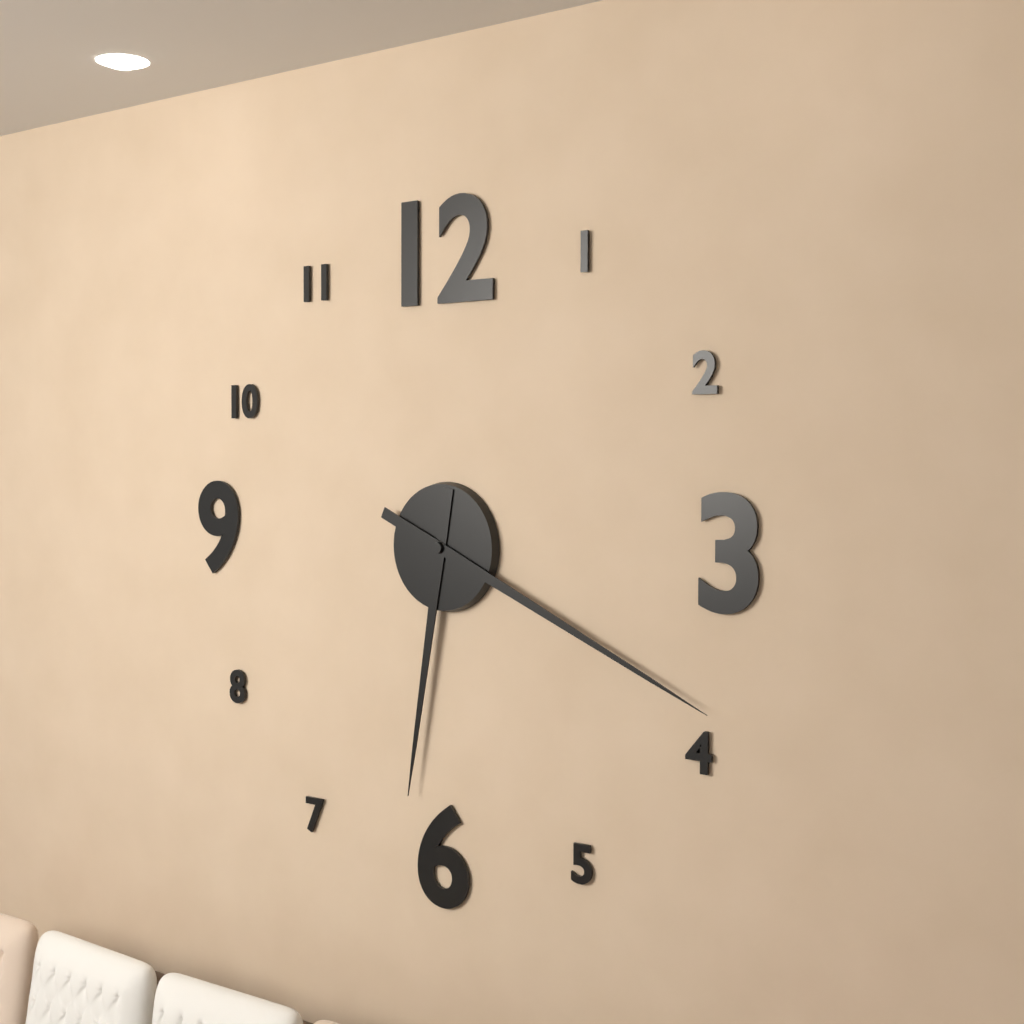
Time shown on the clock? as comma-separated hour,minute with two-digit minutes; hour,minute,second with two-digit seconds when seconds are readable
6,19
